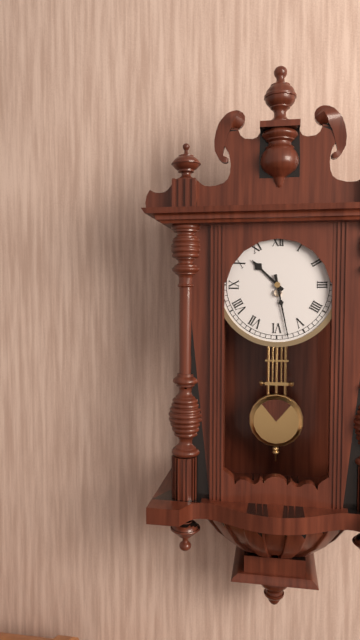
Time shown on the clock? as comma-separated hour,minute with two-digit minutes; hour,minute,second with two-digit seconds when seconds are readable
10,28
